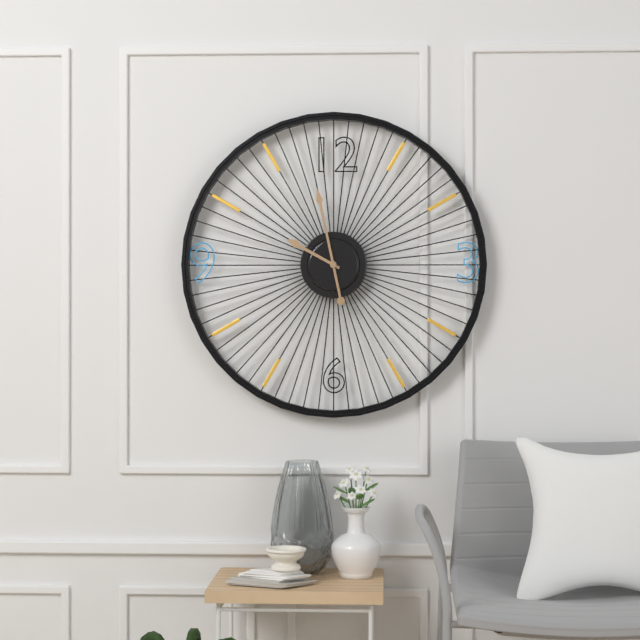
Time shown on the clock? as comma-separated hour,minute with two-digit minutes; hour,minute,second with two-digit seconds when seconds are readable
9,58
